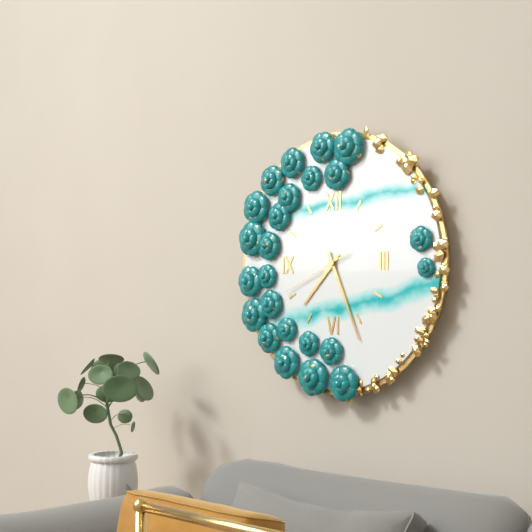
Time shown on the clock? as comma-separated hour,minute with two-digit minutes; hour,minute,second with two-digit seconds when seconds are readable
7,26,41
